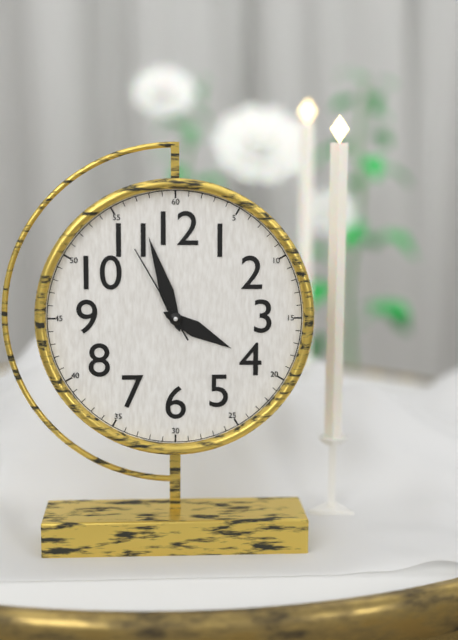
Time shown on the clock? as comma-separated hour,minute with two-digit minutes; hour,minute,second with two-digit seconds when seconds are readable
3,57,55
